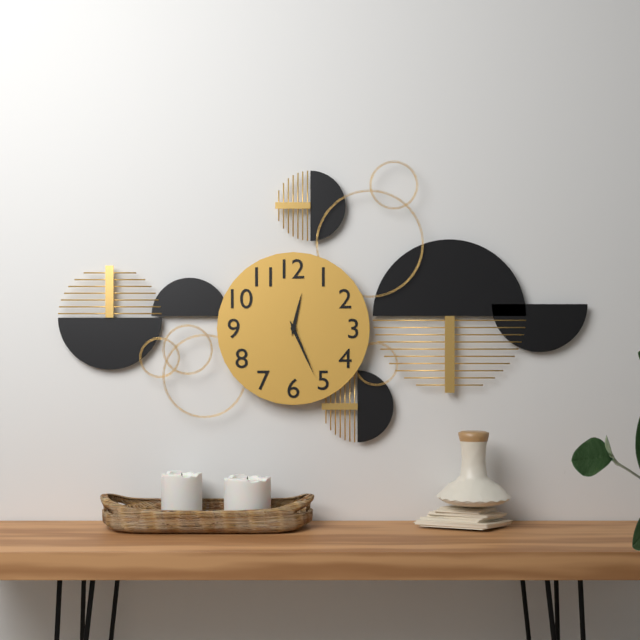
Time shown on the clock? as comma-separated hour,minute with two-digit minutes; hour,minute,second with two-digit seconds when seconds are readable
12,26
